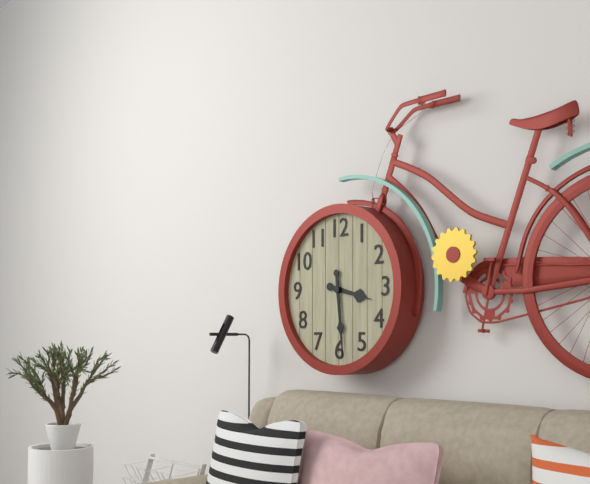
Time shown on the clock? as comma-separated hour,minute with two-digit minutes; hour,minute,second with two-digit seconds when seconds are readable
3,29
